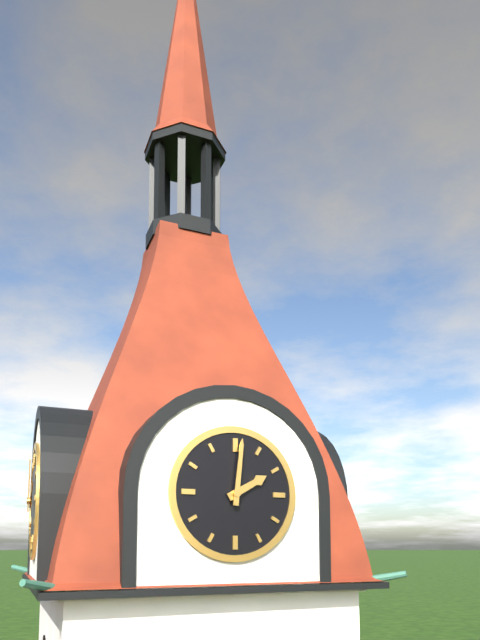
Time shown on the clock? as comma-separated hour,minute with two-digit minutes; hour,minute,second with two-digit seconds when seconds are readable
2,01
